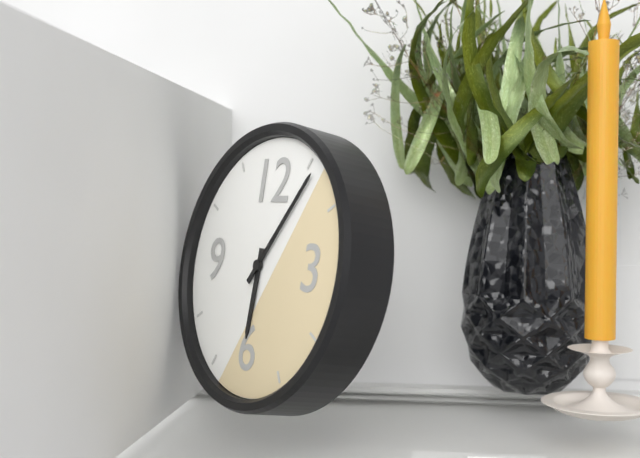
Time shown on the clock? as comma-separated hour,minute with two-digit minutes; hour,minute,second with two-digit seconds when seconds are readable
6,06
